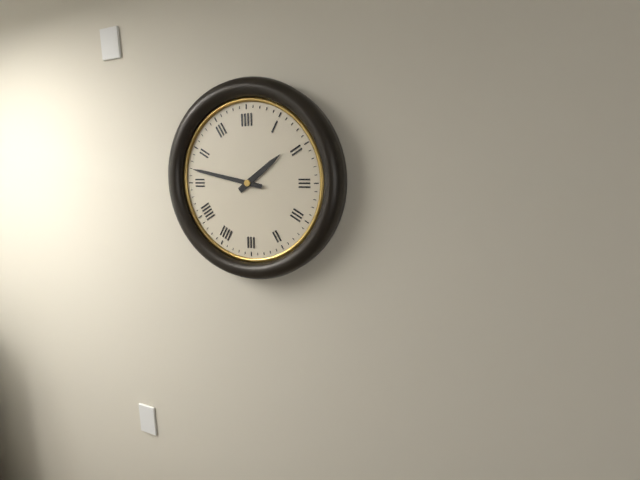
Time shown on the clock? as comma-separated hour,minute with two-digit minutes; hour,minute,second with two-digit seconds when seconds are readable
1,47
